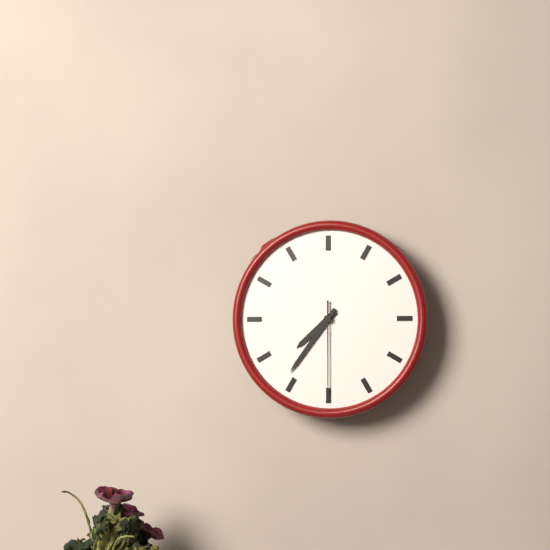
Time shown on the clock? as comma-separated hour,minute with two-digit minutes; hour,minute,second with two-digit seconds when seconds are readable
7,36,30
